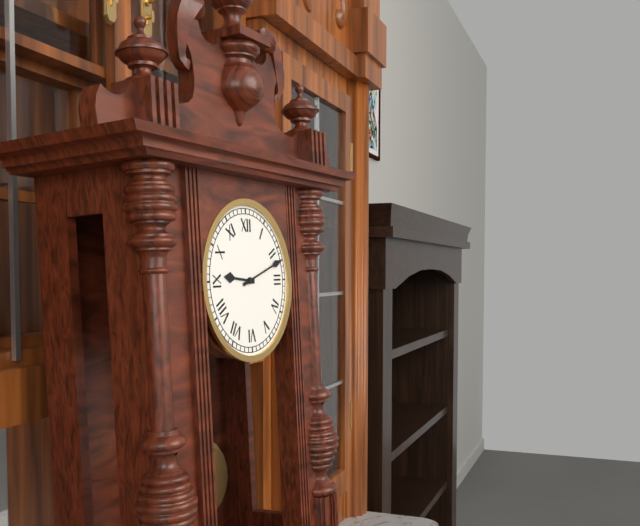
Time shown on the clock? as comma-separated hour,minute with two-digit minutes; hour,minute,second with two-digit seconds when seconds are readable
9,12
